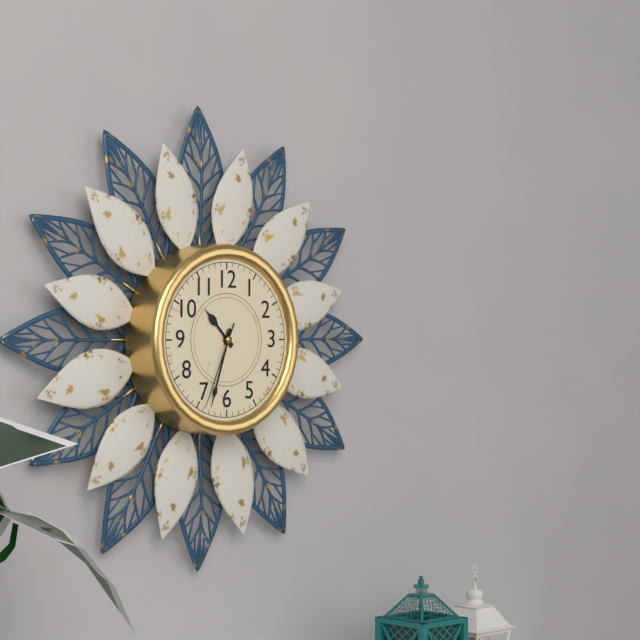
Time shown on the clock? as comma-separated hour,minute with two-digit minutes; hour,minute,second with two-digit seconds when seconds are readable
10,33,34
